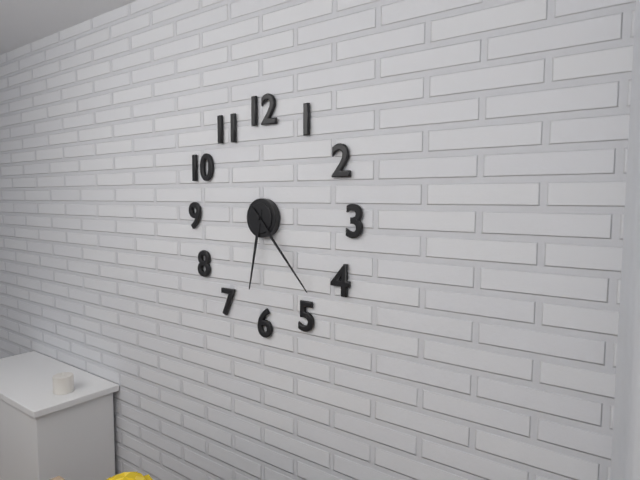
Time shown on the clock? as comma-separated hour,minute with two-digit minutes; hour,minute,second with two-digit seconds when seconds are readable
6,23
